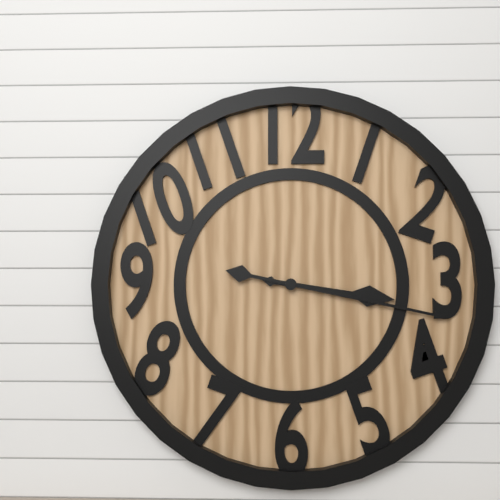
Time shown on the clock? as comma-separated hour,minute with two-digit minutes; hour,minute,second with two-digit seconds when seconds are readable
3,17
